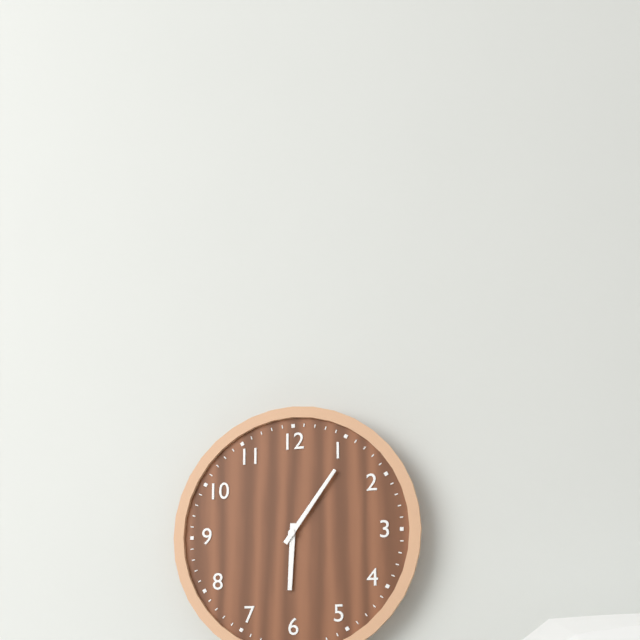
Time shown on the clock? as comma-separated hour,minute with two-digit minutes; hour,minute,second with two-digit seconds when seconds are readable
6,06
